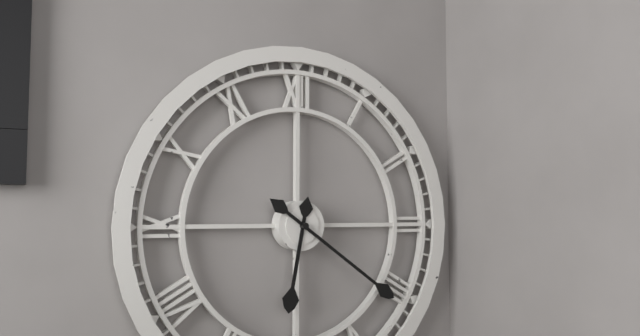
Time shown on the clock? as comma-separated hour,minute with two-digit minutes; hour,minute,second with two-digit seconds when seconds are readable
6,21
